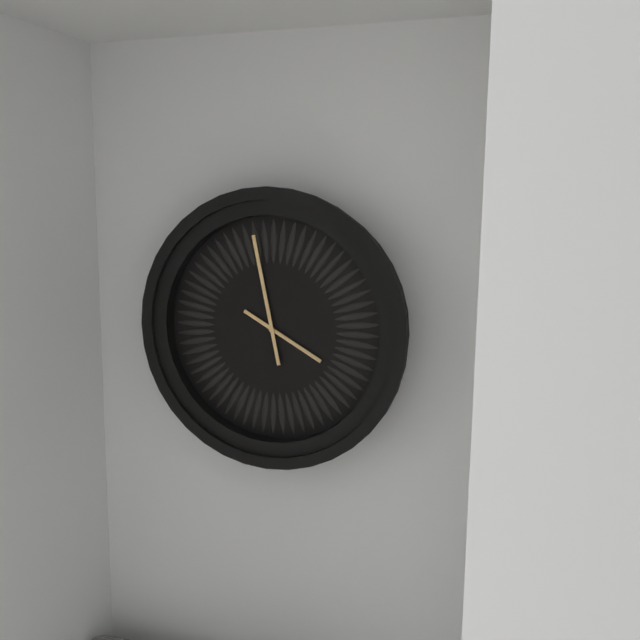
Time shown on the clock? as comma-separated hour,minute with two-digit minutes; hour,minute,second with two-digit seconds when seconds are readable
3,58
